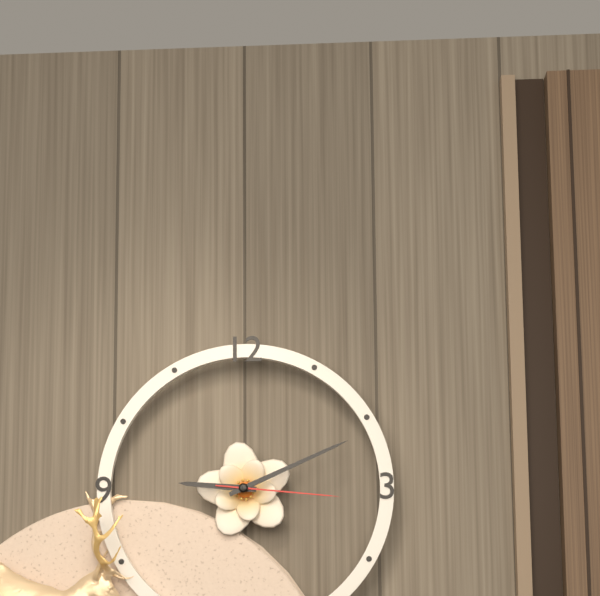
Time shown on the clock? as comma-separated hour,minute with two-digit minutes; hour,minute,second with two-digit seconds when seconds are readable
9,11,16
